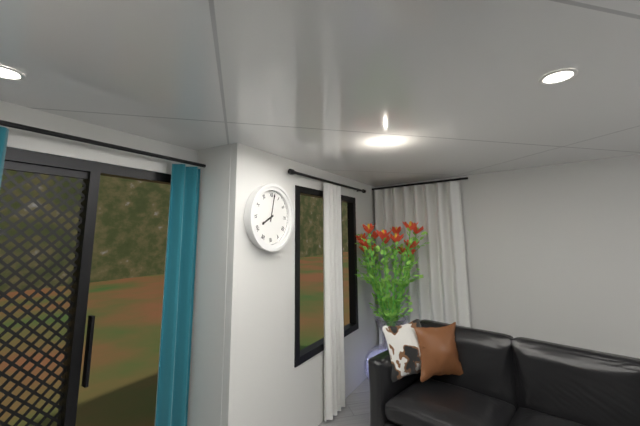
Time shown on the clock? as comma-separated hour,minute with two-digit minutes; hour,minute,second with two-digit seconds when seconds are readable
8,02
